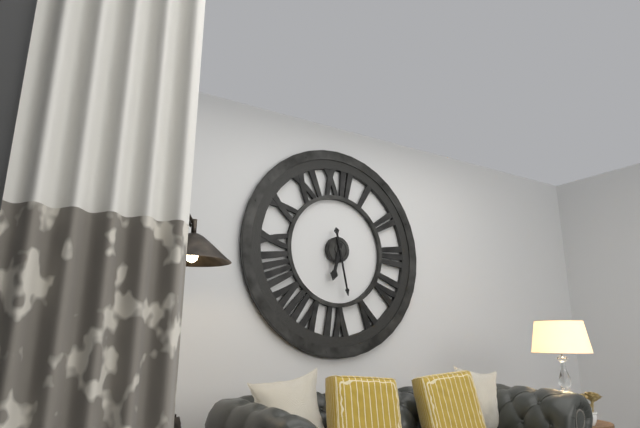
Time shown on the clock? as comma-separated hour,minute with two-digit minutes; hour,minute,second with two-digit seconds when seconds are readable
6,28
